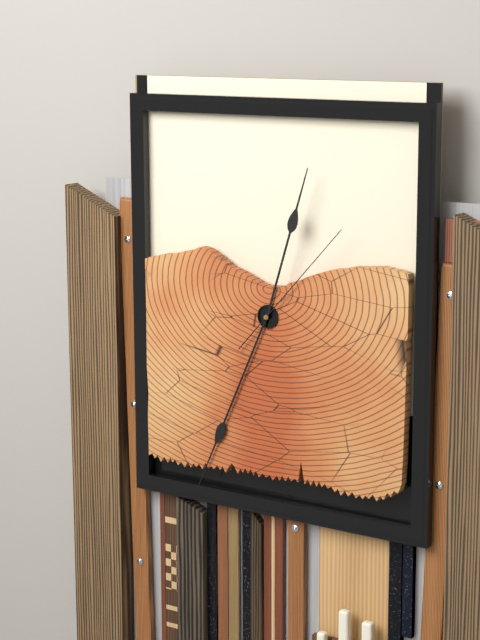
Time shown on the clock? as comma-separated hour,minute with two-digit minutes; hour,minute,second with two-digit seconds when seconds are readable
12,34,07
